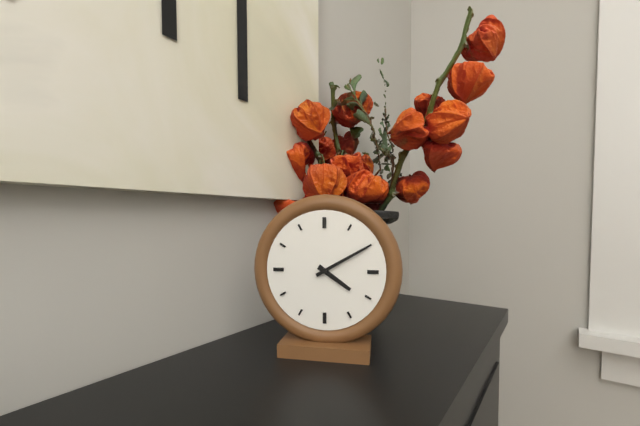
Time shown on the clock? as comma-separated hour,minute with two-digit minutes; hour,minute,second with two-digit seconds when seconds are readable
4,10
